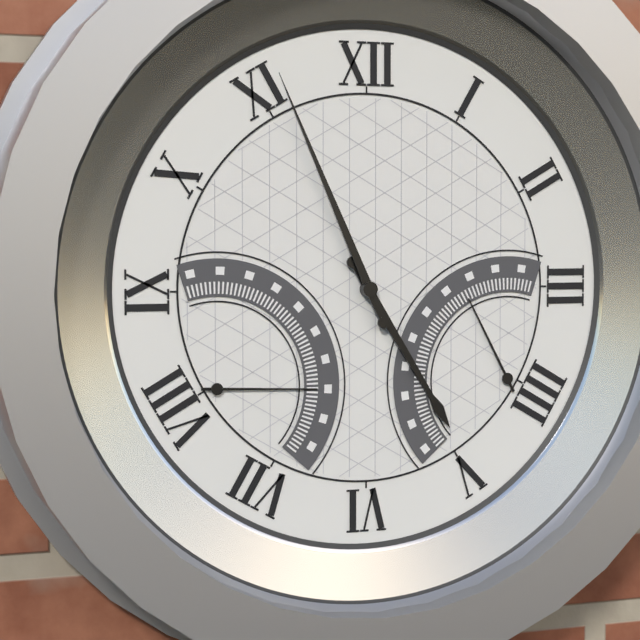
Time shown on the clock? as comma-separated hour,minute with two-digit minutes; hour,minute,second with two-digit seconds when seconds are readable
4,56
